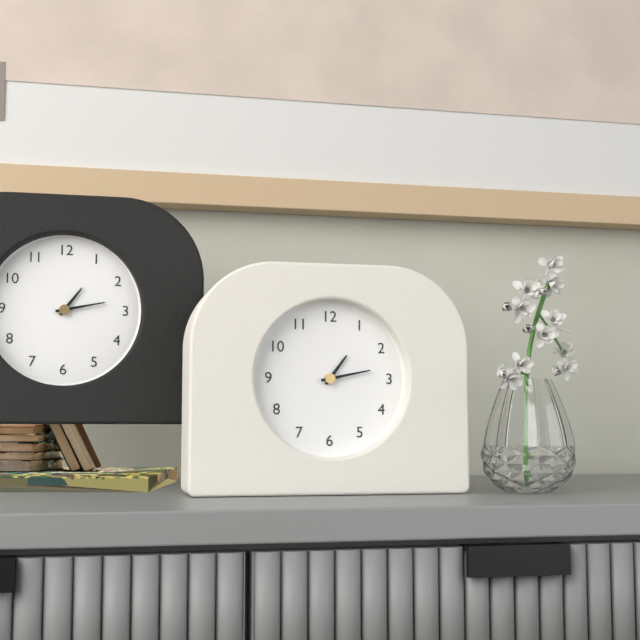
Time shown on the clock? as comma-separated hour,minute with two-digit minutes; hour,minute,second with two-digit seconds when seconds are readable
1,13
